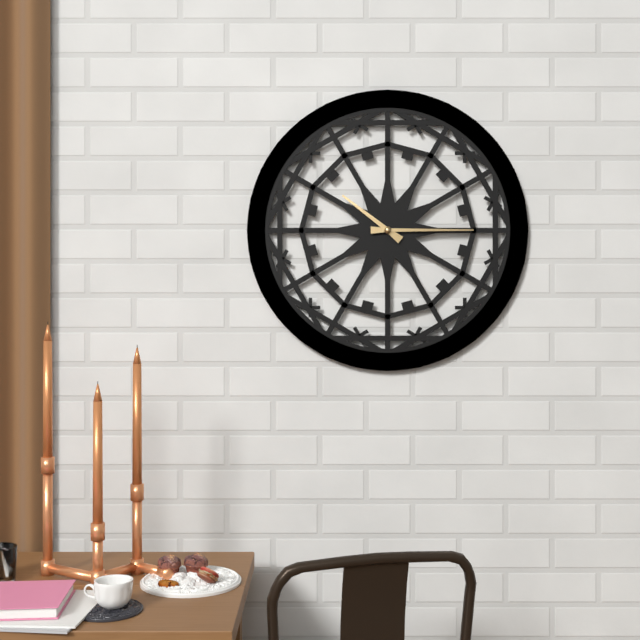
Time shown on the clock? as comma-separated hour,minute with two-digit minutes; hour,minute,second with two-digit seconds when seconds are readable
10,15
